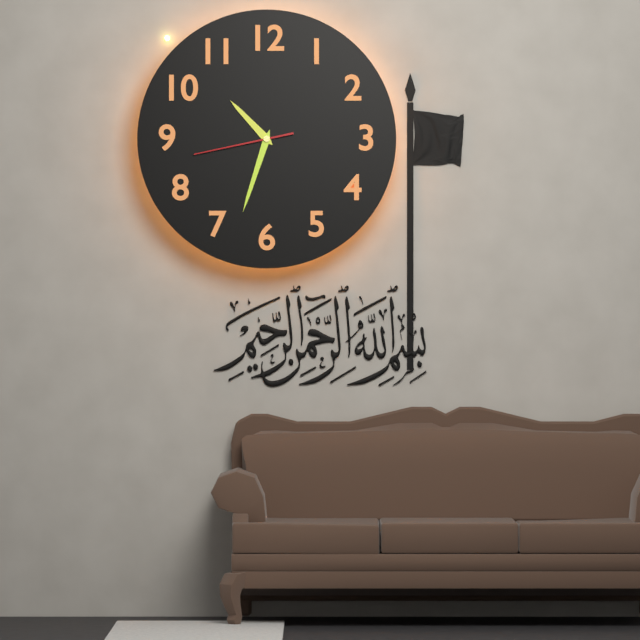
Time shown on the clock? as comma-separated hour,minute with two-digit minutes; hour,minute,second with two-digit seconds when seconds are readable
10,33,43
